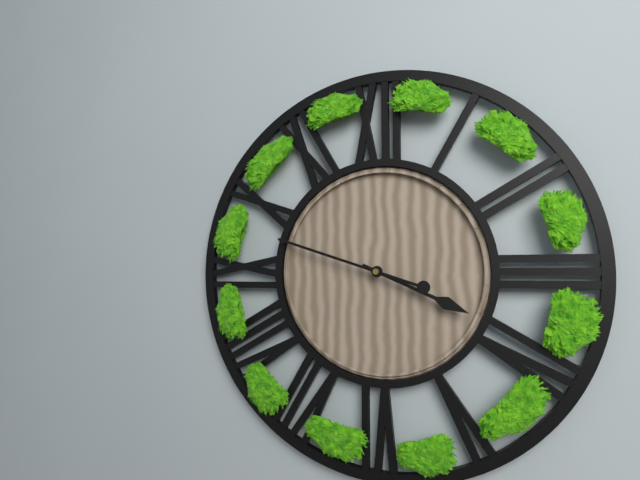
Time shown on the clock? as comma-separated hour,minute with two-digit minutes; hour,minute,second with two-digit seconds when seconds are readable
3,48
